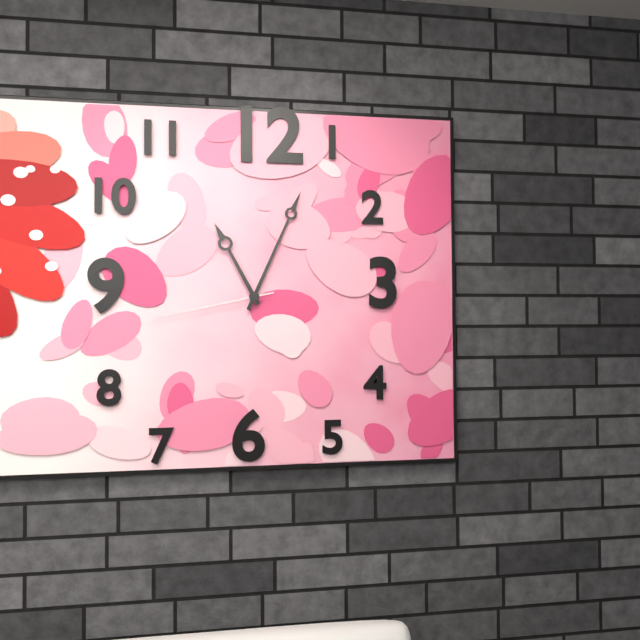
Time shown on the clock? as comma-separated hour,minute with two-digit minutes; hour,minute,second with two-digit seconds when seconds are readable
11,04,43
